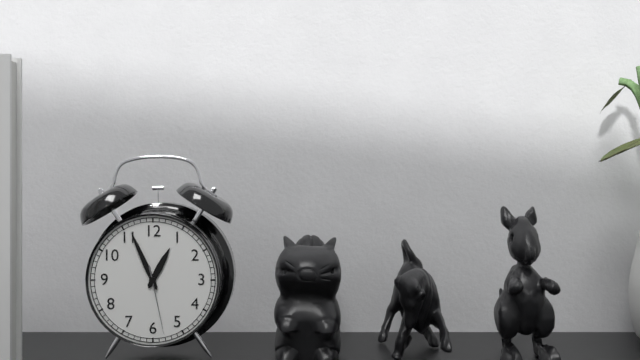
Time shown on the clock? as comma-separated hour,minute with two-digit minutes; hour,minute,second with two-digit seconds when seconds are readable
12,56,28
